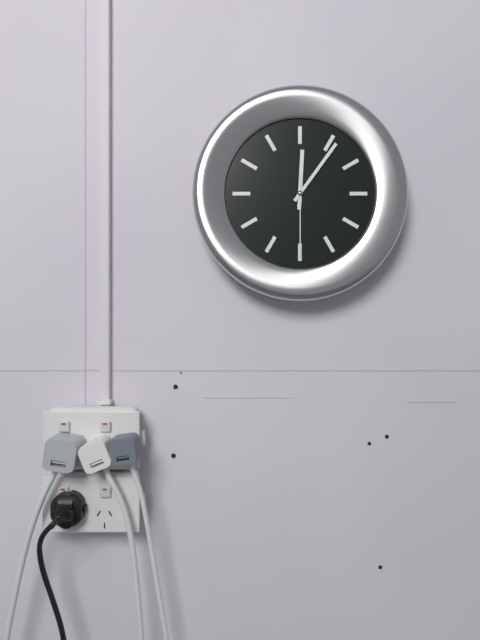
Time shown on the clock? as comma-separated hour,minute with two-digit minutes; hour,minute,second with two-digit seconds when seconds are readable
12,06,30
